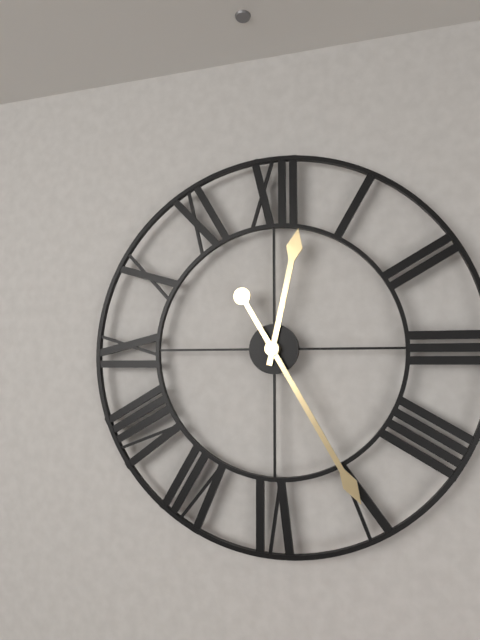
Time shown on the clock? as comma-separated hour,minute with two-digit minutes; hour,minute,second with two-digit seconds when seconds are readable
12,25
